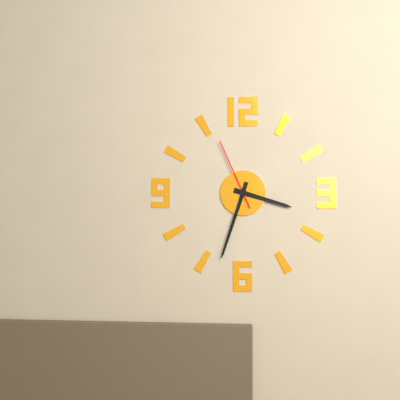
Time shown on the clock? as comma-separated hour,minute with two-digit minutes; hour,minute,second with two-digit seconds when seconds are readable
3,33,56
